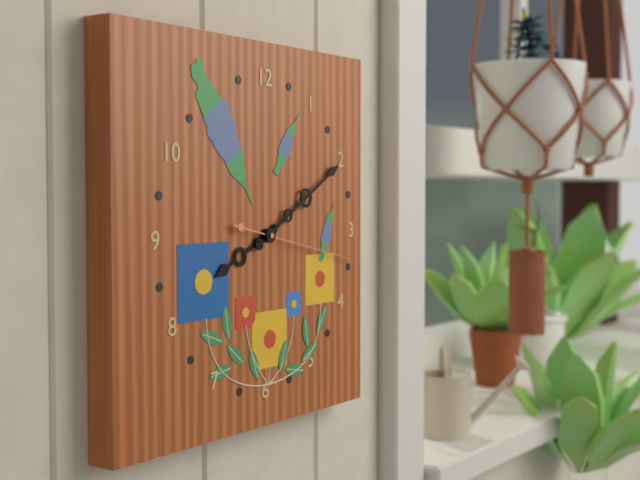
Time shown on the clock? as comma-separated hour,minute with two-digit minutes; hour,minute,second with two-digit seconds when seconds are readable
8,10,17
